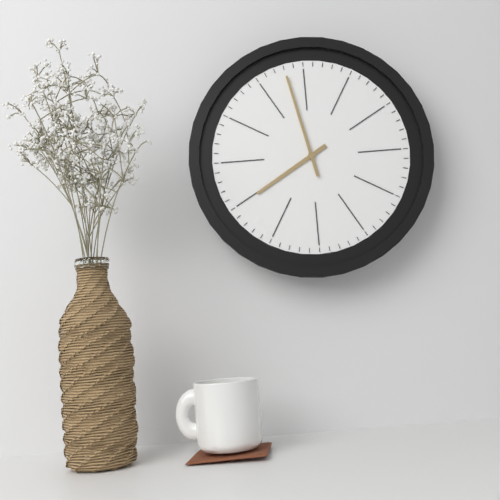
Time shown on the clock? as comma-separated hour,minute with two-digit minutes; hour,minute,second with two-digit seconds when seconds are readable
7,58
